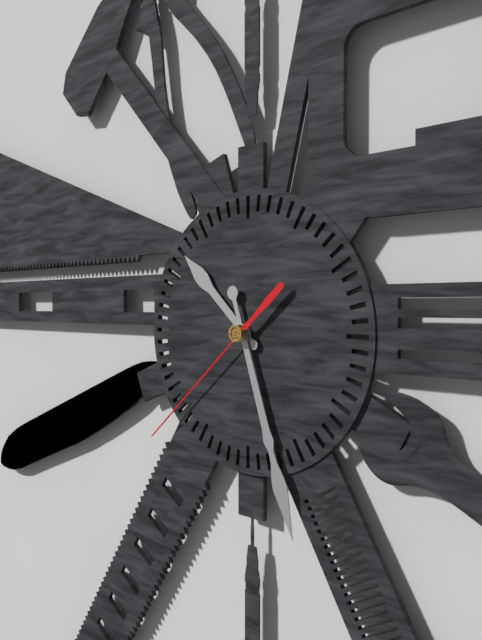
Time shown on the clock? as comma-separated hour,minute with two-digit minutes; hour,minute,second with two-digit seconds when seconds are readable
10,27,38
